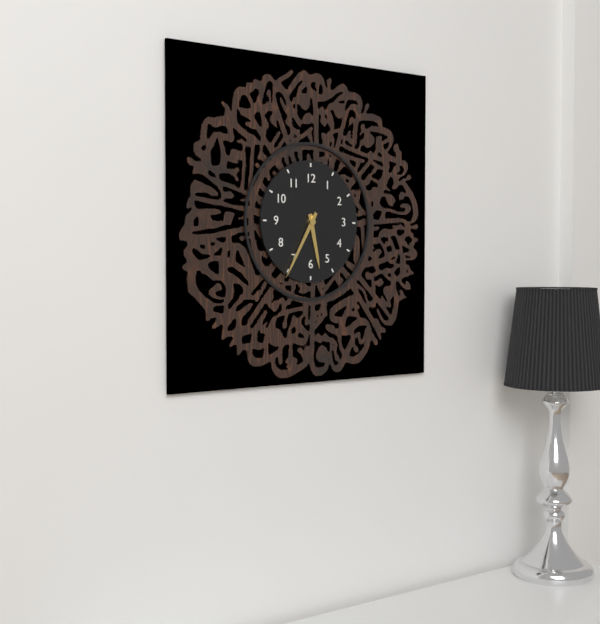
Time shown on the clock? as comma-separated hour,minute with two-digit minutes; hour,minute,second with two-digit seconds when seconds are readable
5,35
